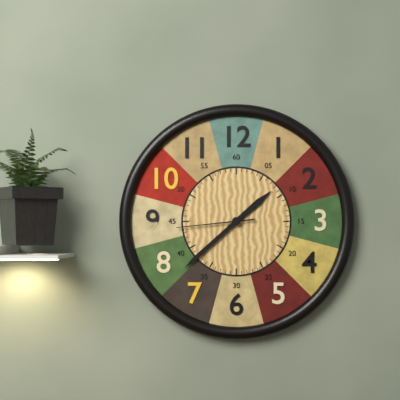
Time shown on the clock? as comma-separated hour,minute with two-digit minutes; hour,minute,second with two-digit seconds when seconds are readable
1,38,44
